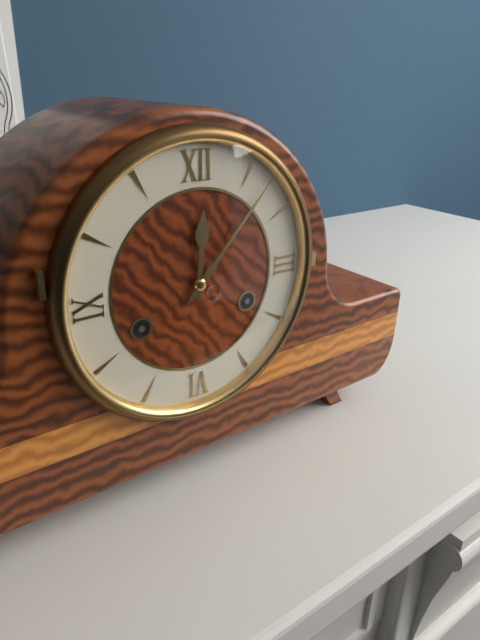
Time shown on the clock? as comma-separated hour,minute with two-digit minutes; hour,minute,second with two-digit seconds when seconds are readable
12,07
